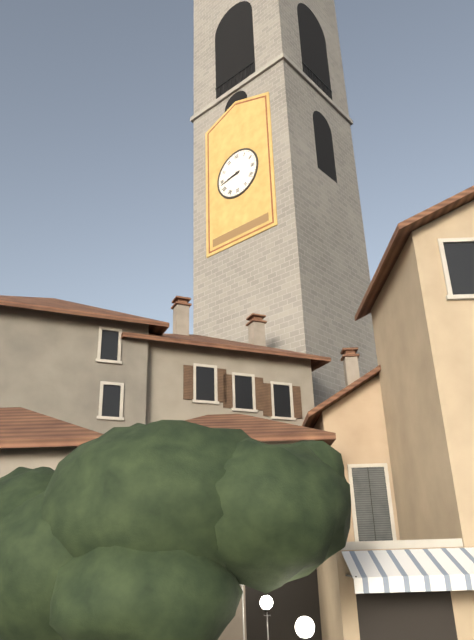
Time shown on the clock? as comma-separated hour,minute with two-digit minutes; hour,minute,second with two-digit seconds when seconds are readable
8,43
